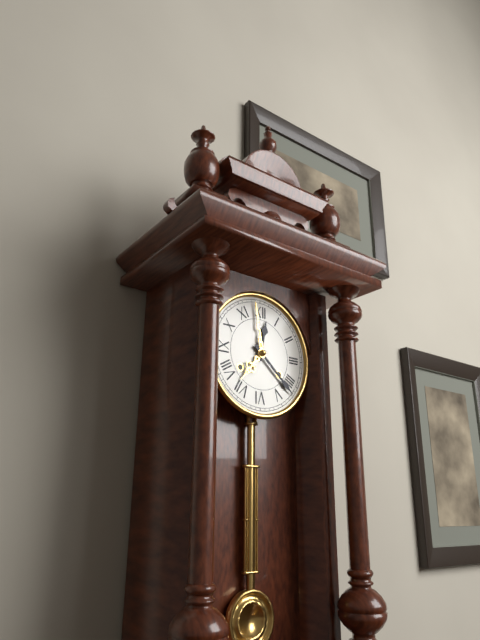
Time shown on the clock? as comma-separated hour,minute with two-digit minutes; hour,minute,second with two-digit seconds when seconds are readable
12,22
